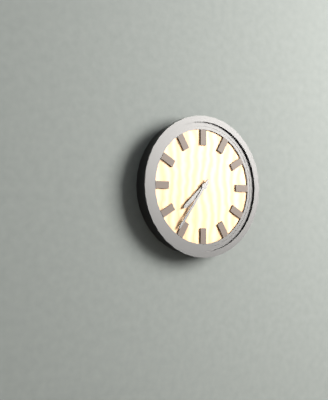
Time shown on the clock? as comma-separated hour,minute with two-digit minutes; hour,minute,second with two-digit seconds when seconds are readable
7,36
